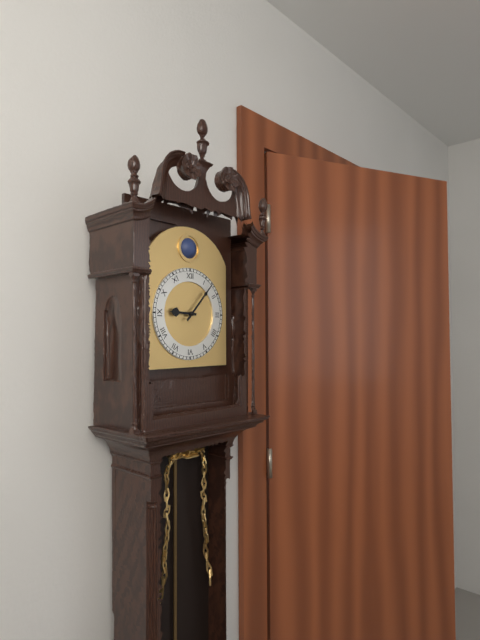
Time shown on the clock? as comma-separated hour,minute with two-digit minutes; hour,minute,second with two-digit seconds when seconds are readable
9,07
